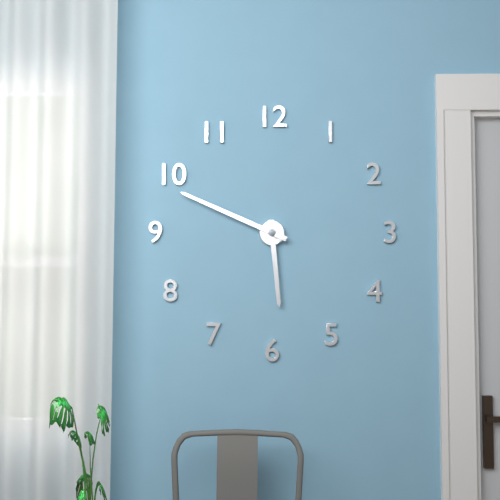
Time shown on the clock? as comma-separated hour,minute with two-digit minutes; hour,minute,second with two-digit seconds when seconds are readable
5,49
